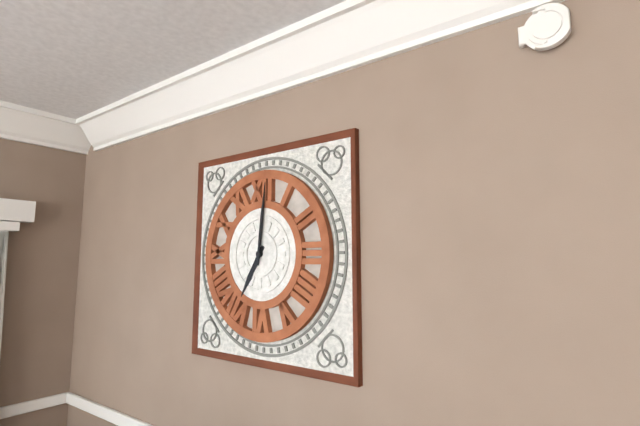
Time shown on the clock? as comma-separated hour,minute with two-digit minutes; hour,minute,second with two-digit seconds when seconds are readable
7,01
